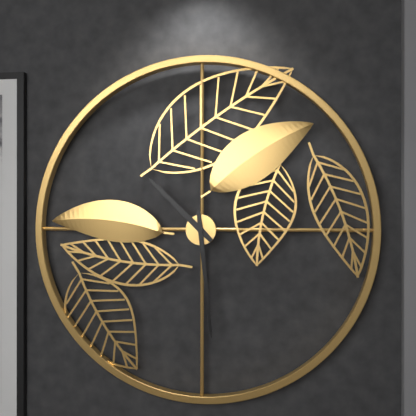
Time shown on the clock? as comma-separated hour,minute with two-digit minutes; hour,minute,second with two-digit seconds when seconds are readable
10,29
